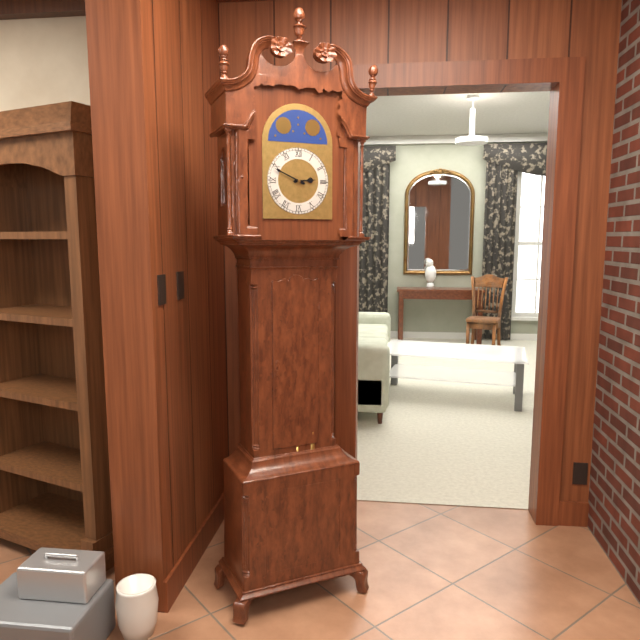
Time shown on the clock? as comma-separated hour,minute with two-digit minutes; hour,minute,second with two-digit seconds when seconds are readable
2,49
